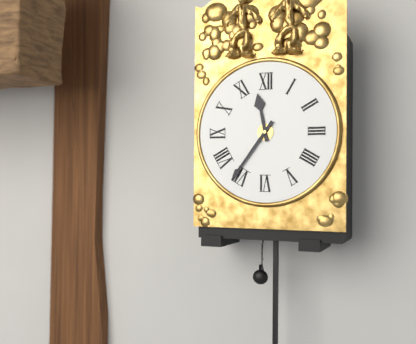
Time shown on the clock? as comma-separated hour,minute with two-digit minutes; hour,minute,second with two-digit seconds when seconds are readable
11,36
